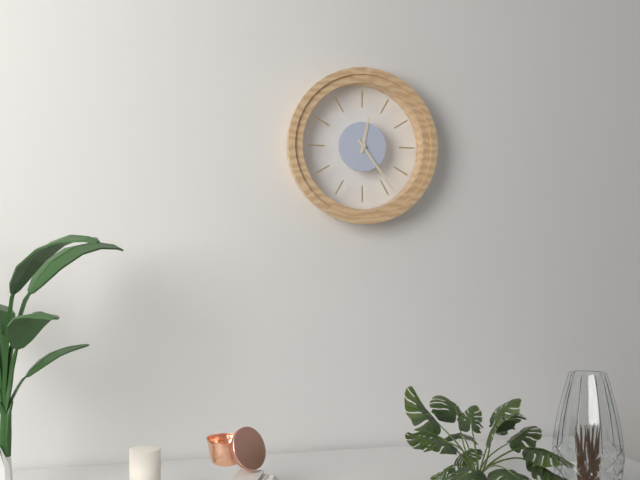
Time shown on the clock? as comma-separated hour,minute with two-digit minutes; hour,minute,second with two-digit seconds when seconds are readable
12,24
